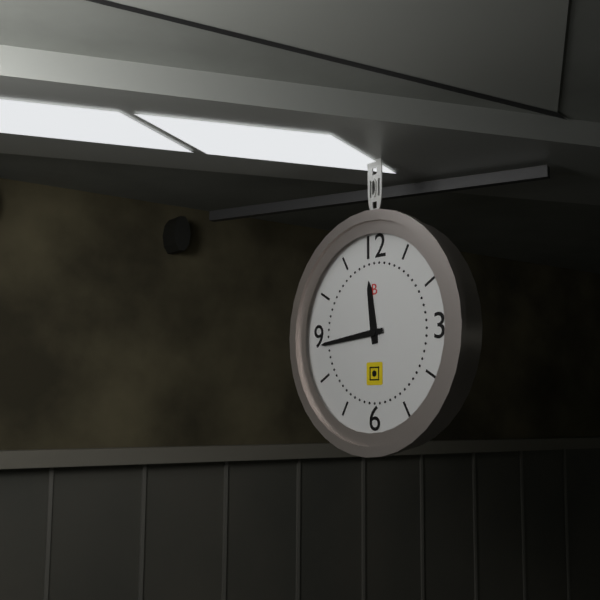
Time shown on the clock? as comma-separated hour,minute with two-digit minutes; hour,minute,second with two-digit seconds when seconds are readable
11,44
